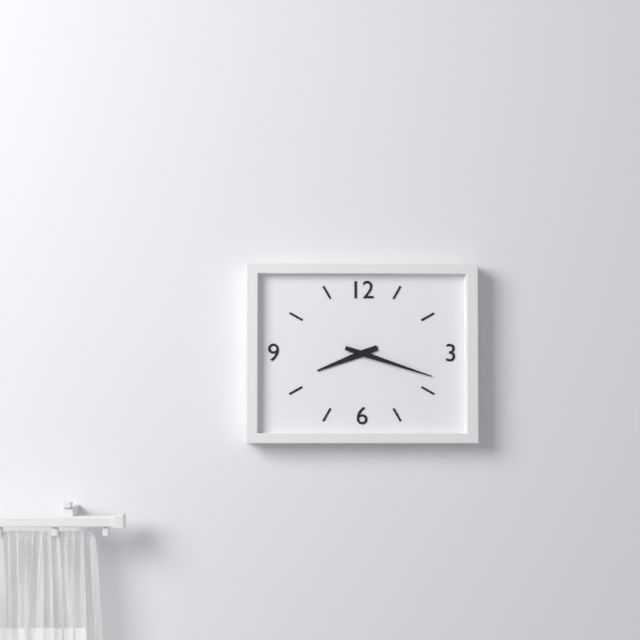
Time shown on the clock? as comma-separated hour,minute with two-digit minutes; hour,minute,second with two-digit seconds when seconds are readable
8,18
